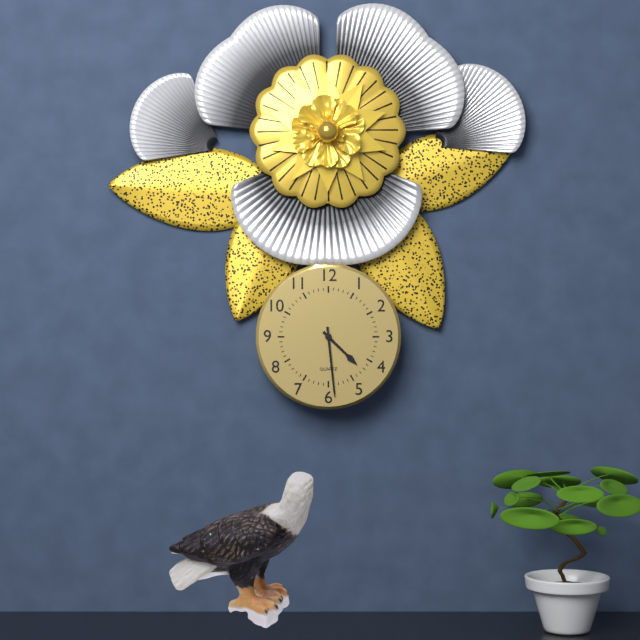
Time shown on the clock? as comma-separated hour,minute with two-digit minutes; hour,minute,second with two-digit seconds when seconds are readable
4,29
